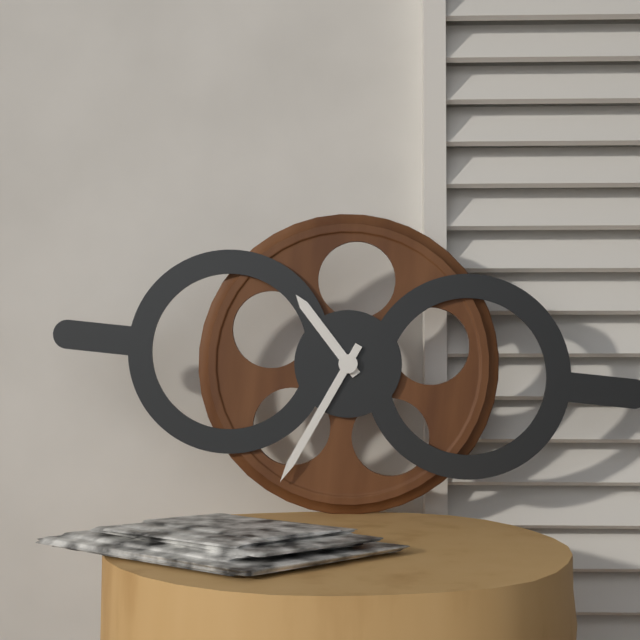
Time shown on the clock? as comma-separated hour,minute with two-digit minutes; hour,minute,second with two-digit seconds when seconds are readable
10,34
